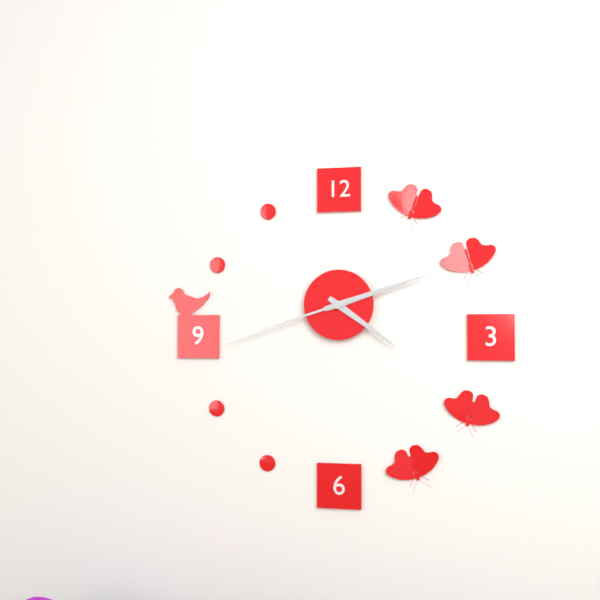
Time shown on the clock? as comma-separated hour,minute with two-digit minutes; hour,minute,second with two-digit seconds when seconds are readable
4,12,42
